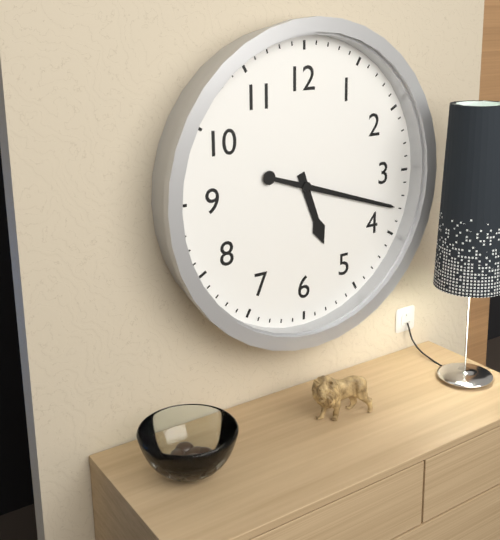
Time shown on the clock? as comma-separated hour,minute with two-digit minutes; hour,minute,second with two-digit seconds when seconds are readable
5,18
